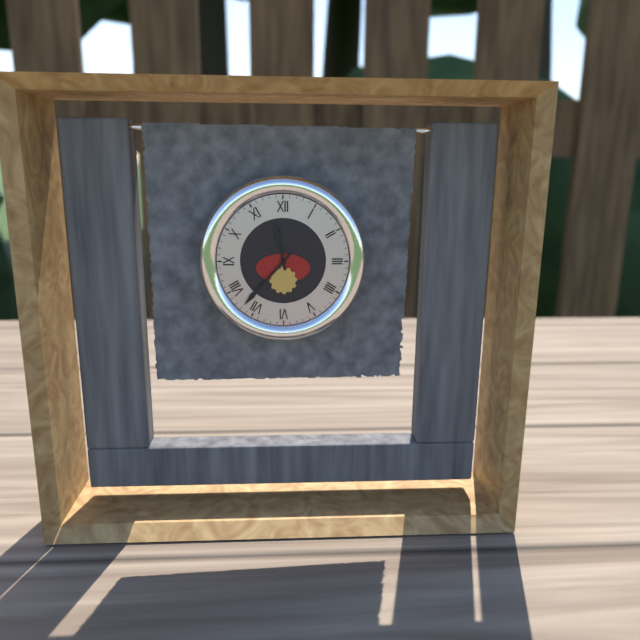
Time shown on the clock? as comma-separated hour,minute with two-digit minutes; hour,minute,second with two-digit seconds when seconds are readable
11,37
